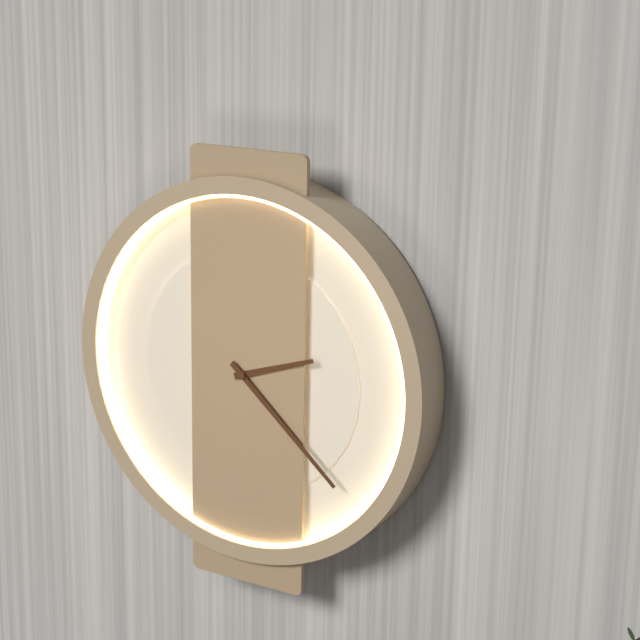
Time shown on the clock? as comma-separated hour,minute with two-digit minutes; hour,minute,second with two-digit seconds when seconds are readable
2,22
